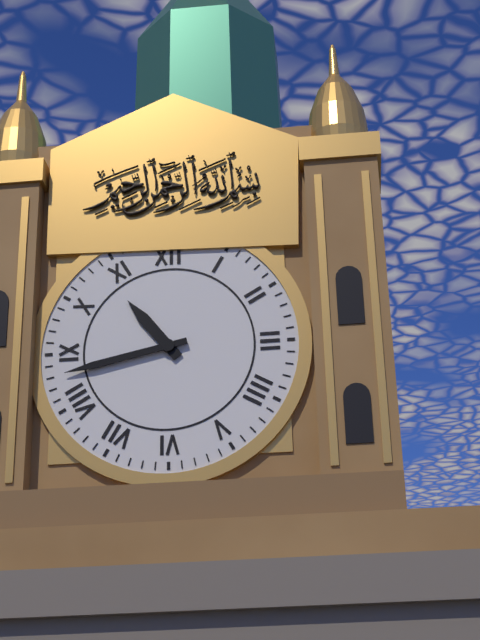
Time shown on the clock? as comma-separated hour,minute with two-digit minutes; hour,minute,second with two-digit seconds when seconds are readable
10,43
